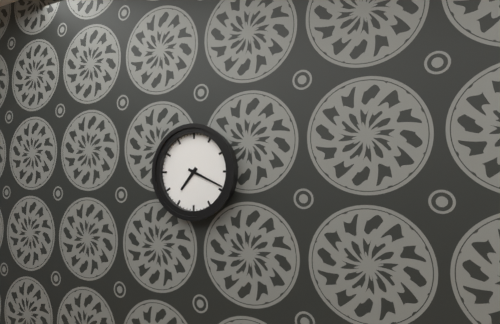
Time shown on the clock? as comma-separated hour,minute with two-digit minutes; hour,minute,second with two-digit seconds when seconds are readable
7,19
